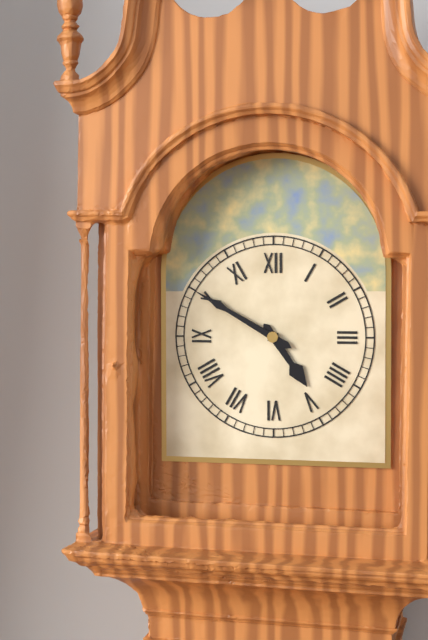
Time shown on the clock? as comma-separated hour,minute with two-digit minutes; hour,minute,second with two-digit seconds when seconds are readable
4,50
